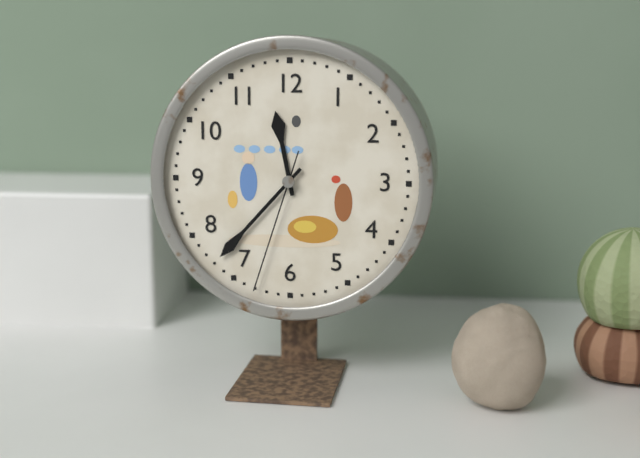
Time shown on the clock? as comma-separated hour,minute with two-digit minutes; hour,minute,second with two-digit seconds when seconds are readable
11,37,33
